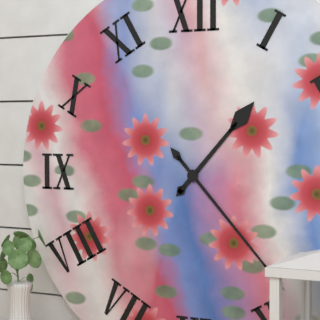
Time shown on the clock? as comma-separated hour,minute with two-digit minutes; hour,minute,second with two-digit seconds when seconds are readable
1,23
